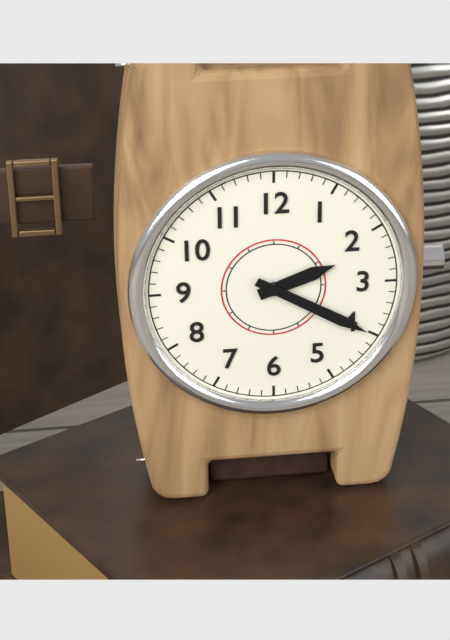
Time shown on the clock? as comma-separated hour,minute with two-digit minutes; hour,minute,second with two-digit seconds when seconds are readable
2,20
